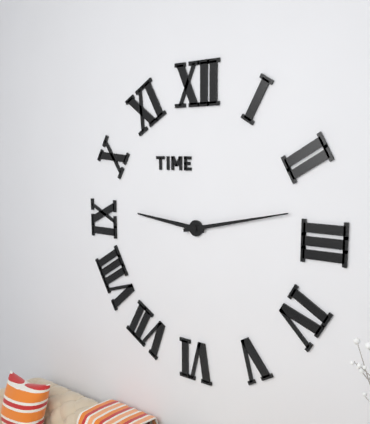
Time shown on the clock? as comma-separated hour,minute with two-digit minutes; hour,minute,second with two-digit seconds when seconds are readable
9,13
